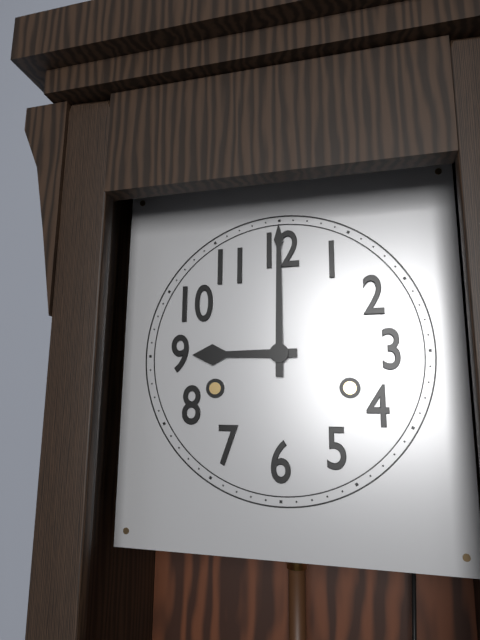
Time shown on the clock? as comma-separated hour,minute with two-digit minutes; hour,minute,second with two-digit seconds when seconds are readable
9,00
